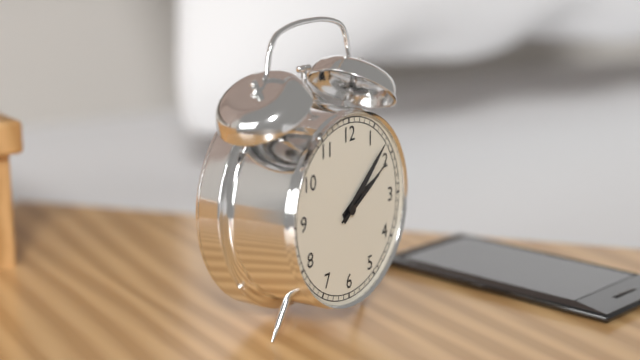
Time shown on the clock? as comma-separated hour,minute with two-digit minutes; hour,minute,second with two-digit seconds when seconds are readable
2,08,10
